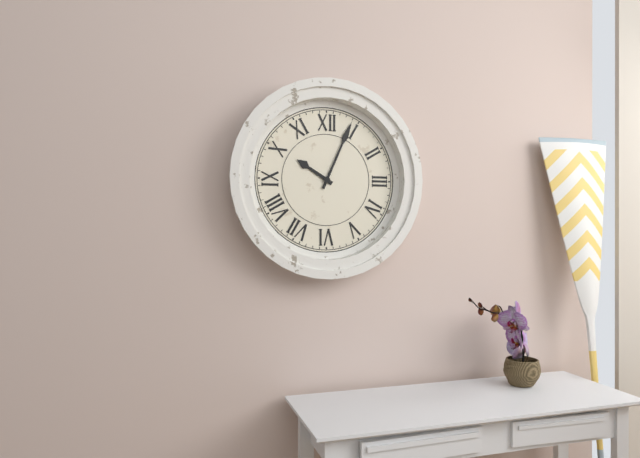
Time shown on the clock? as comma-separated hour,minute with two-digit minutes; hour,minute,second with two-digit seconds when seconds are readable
10,04
